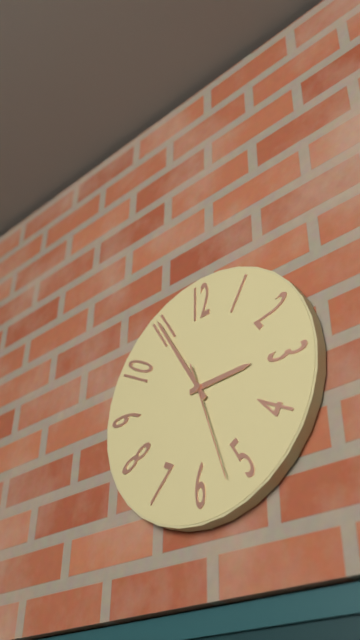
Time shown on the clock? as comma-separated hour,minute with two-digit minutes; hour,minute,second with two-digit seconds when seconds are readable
2,55,27
